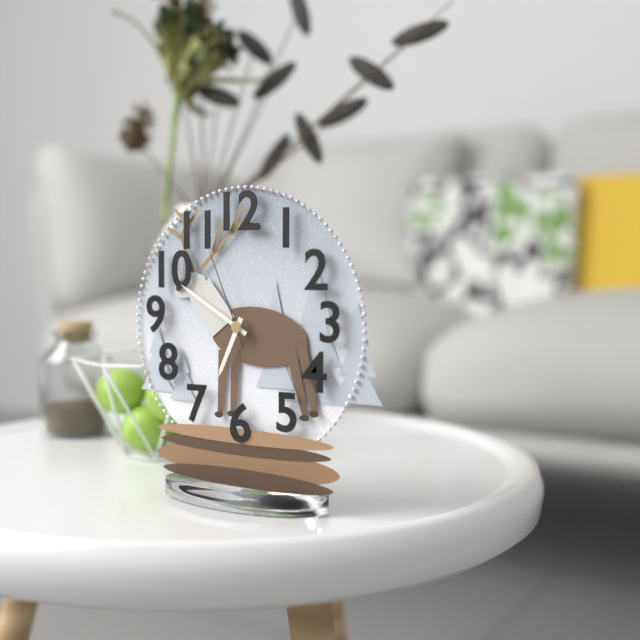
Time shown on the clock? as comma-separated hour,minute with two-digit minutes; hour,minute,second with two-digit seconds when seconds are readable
6,50,56
